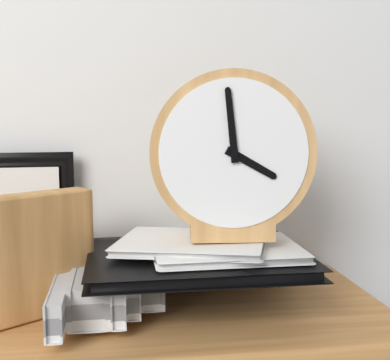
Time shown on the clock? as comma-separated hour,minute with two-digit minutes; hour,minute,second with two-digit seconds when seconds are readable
3,59
